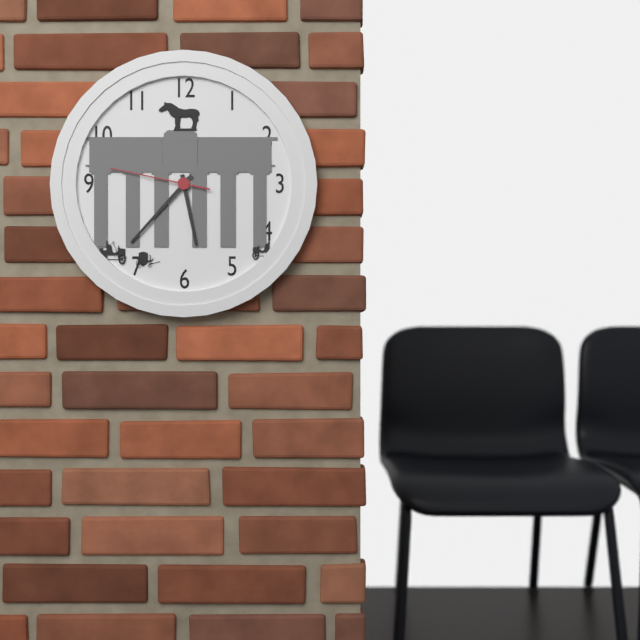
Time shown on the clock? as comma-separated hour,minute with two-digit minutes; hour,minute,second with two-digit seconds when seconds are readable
5,37,47
